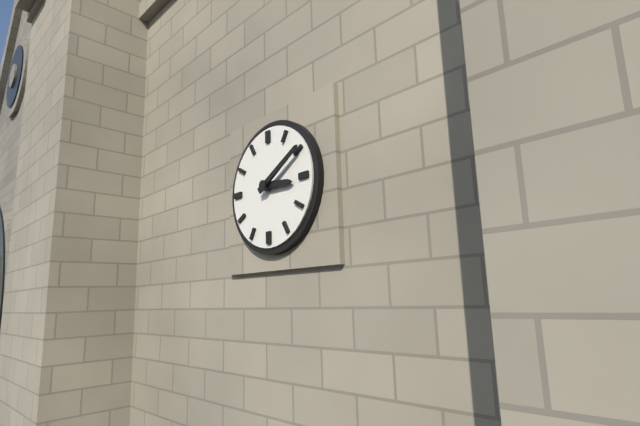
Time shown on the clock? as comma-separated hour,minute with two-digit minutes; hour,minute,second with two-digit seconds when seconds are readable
3,10
